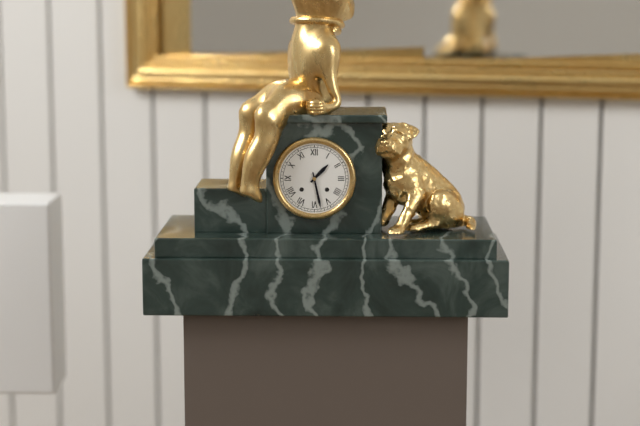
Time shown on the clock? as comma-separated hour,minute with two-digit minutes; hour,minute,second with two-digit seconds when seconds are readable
1,28
